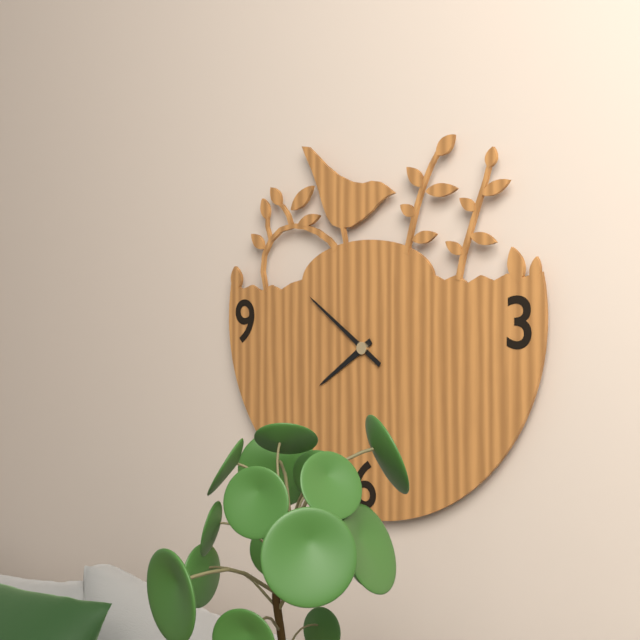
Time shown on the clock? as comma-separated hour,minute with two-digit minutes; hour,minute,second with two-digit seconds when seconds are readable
7,51
